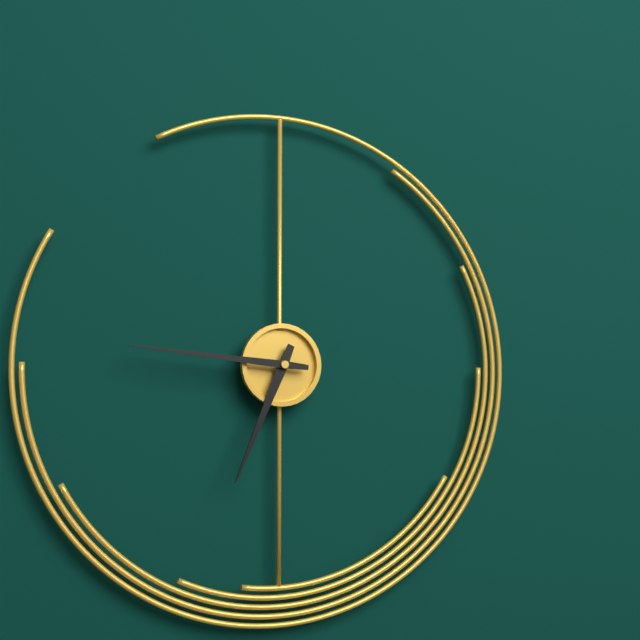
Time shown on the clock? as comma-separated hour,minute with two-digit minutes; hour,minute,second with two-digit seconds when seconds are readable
6,46
